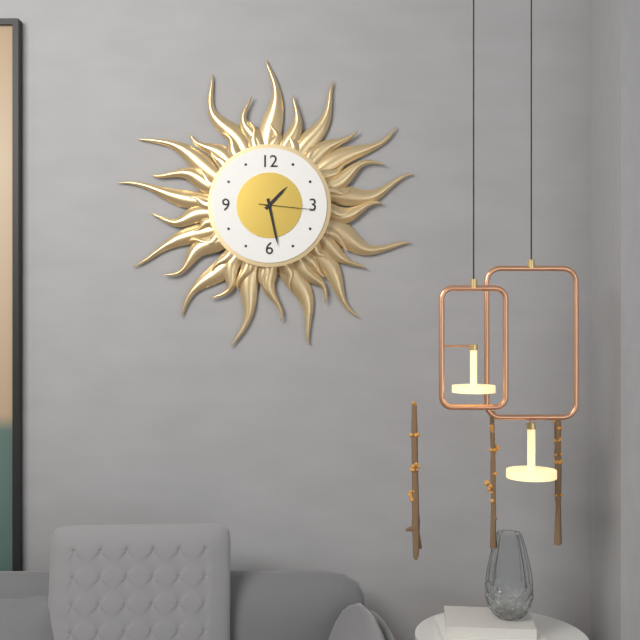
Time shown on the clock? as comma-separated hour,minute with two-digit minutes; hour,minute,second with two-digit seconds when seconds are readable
1,28,16
